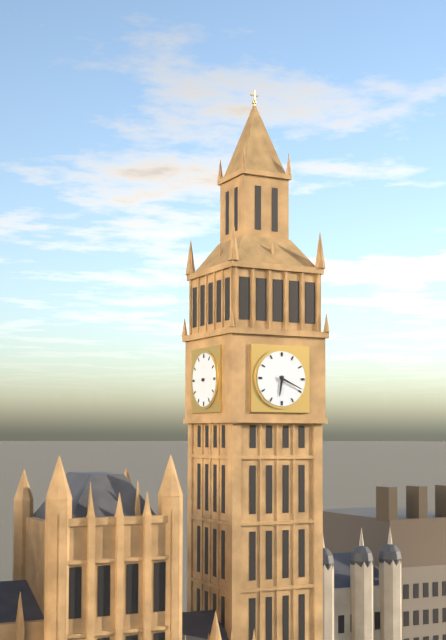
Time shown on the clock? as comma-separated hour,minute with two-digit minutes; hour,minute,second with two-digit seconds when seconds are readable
6,19
